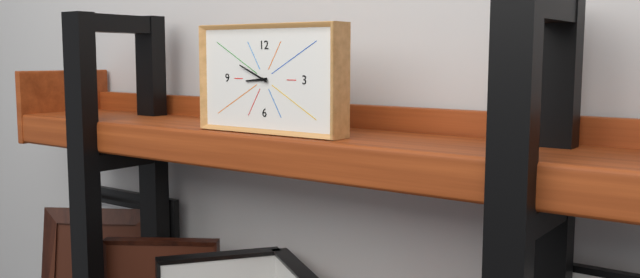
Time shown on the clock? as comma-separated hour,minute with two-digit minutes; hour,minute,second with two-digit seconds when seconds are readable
8,49
